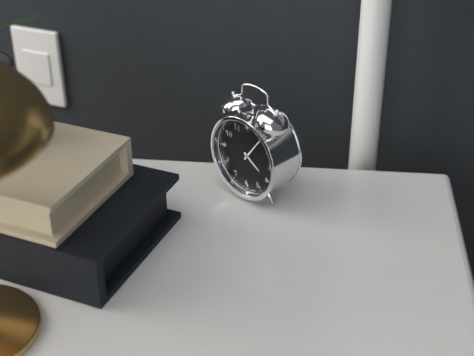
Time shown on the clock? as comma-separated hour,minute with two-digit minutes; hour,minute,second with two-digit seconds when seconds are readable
4,06
